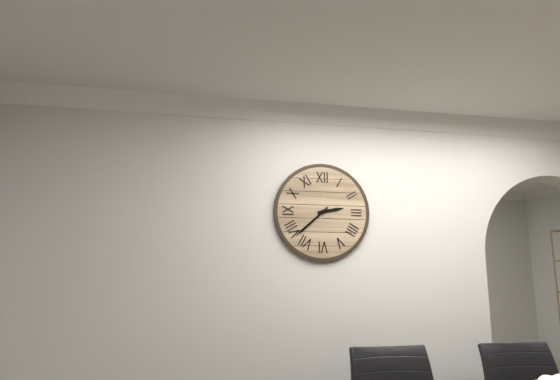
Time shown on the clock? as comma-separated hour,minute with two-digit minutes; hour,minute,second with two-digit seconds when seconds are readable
2,38
